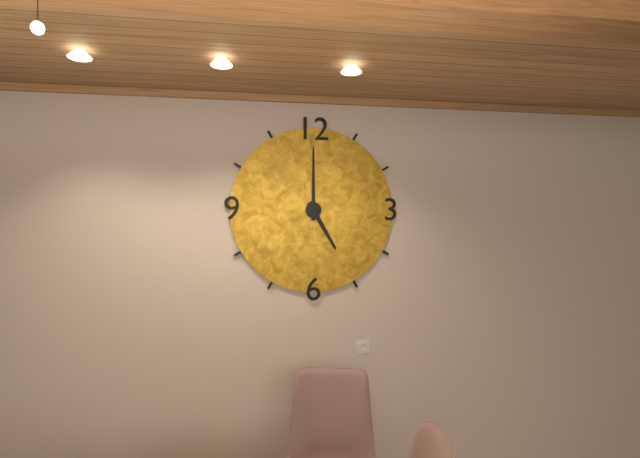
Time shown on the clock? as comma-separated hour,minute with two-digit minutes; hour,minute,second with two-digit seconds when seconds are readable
5,00
